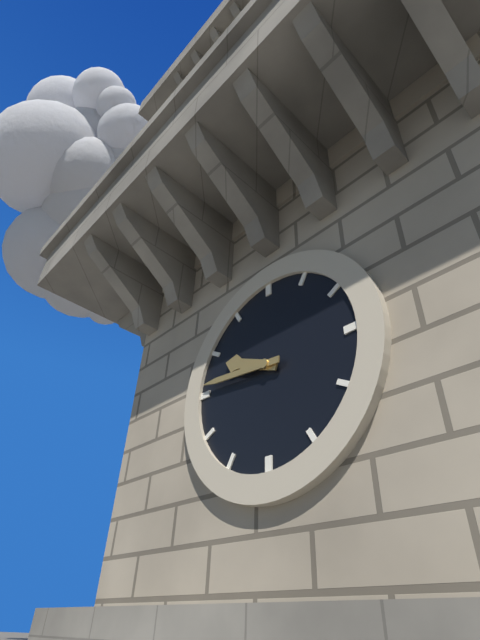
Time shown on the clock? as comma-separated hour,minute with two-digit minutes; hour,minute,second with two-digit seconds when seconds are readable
9,46
